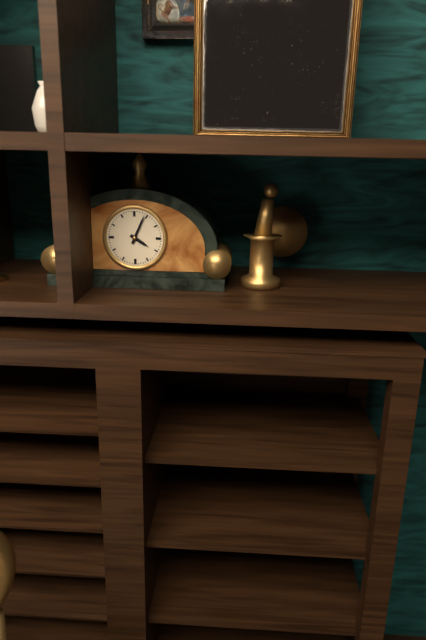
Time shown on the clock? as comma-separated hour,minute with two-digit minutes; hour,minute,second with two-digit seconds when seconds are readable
4,04
